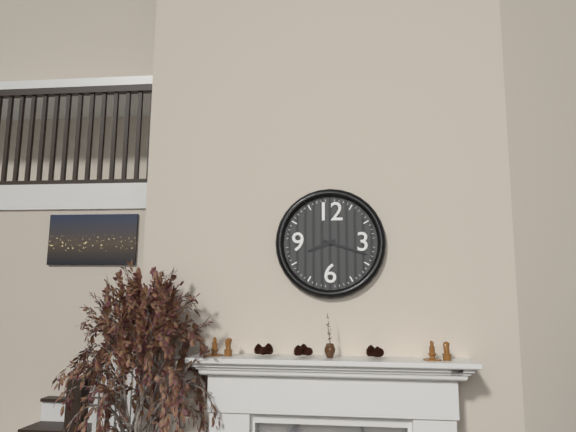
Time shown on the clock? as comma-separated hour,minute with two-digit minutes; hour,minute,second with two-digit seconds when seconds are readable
8,18
